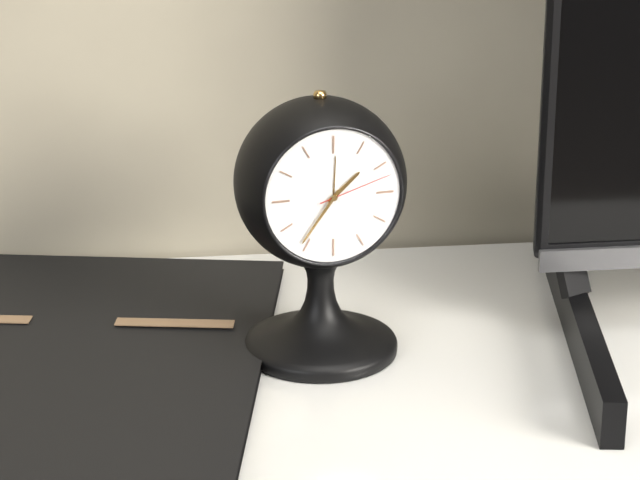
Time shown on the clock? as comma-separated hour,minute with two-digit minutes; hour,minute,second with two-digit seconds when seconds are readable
1,36,12
